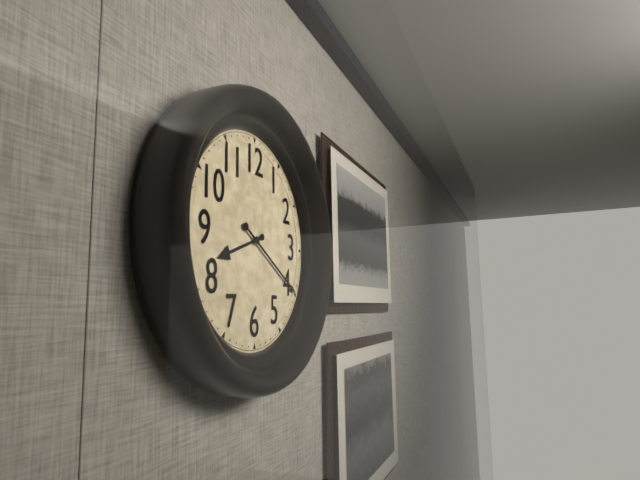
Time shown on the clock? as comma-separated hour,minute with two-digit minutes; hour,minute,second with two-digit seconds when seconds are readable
8,20
